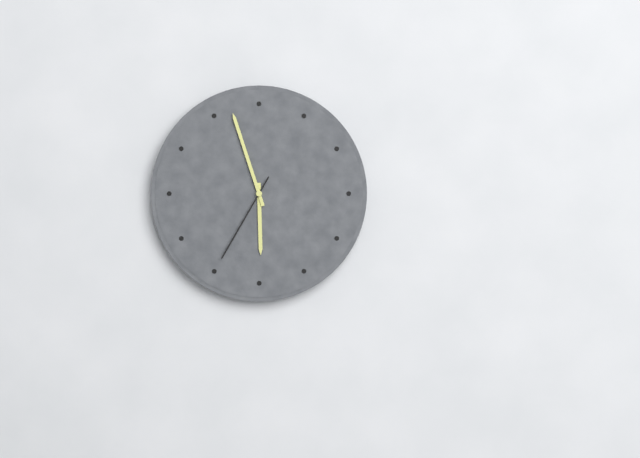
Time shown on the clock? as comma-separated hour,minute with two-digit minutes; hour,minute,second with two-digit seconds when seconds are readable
5,57,35
